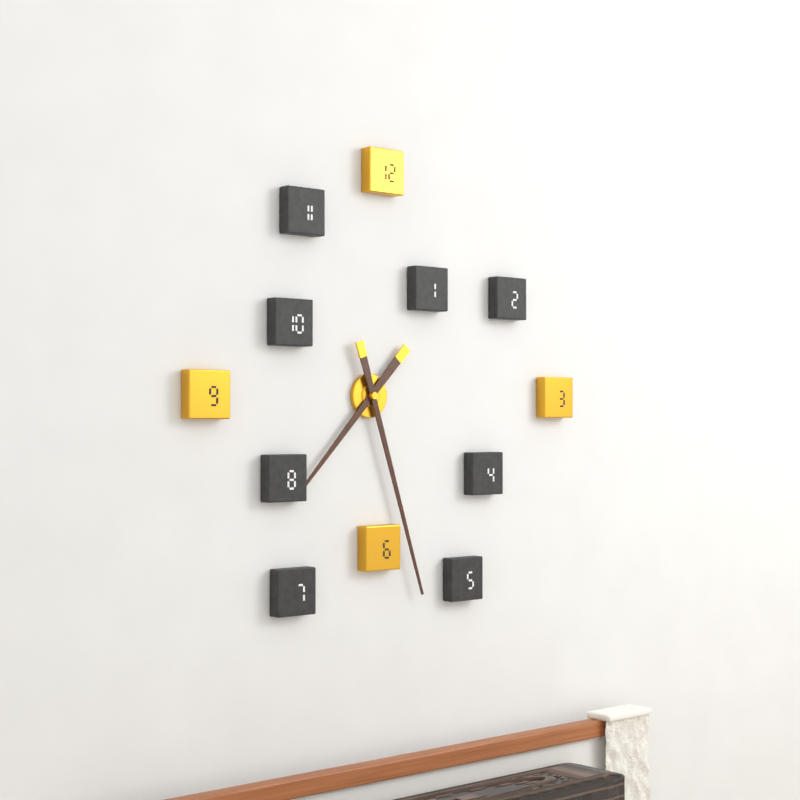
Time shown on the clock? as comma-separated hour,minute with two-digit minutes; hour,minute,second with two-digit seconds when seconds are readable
7,27
